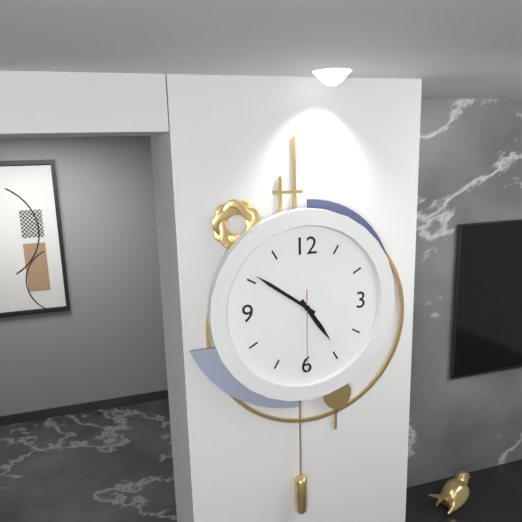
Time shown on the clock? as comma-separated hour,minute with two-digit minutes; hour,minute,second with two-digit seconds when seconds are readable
4,51,30
